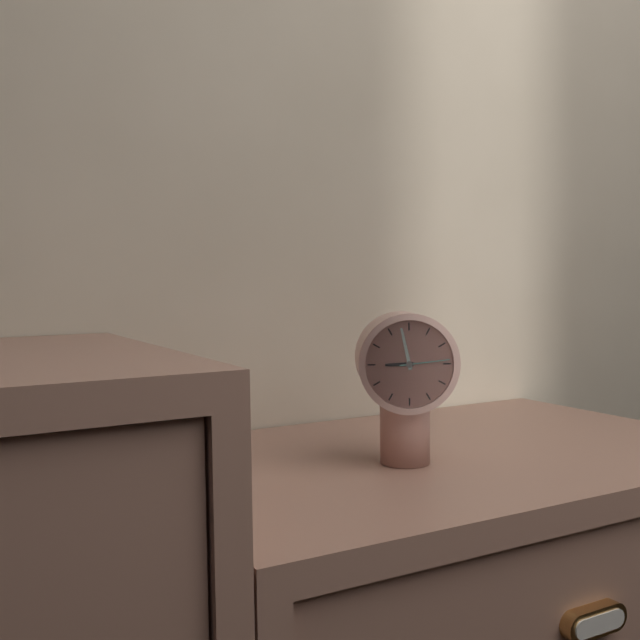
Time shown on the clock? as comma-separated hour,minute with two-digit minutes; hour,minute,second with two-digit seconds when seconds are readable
8,58,14
